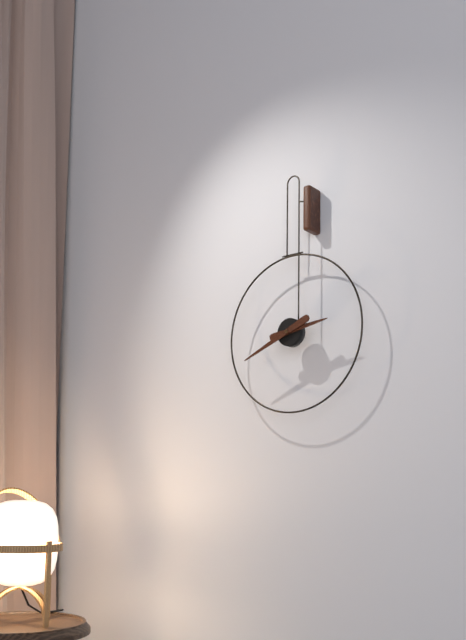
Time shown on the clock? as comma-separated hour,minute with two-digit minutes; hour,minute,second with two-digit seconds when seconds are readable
2,41
